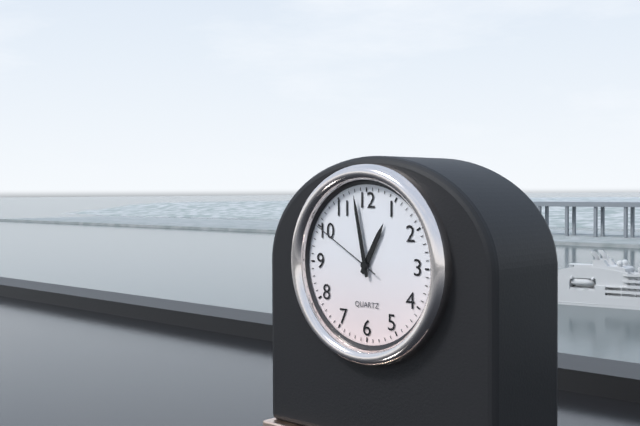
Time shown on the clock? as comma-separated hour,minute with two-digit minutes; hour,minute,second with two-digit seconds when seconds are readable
12,58,50
